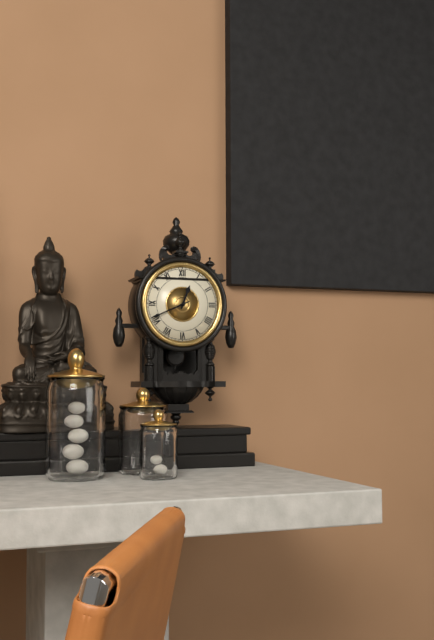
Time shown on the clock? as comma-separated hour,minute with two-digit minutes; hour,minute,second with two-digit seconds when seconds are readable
12,41
